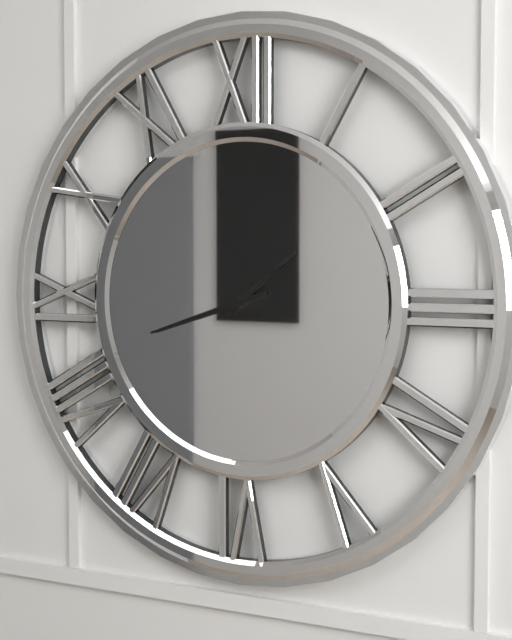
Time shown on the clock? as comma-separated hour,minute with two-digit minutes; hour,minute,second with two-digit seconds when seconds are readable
1,42
